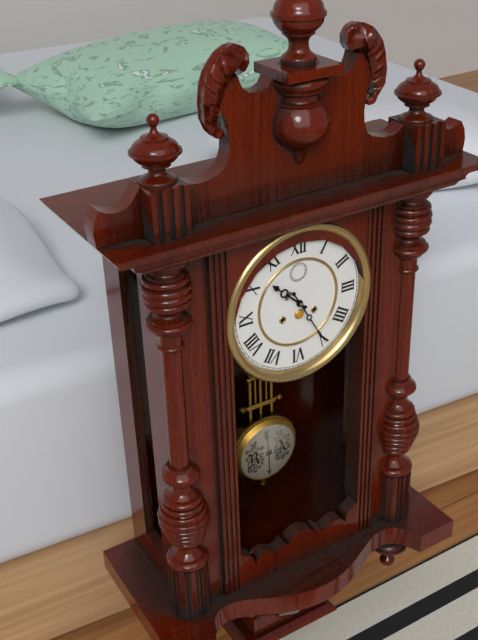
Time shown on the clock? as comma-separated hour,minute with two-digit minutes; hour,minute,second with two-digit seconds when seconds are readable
10,25
